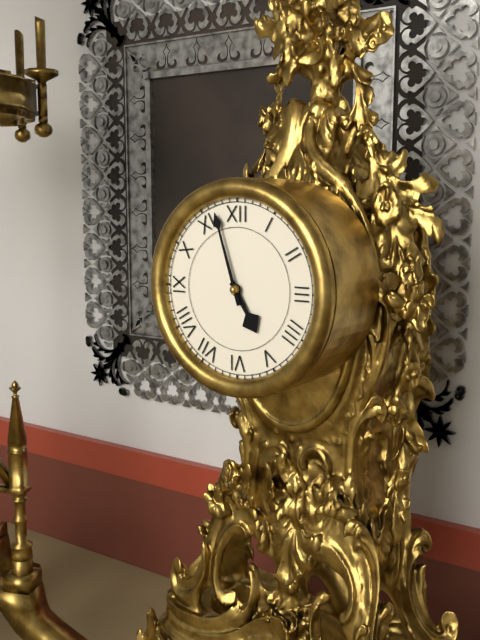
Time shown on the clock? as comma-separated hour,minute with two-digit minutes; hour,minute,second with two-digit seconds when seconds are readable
4,57
